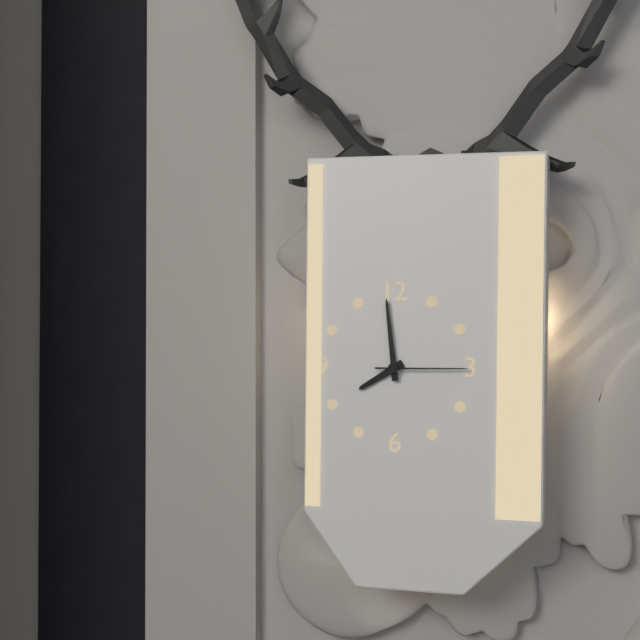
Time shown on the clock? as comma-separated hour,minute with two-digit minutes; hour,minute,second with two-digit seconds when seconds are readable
7,59,15
